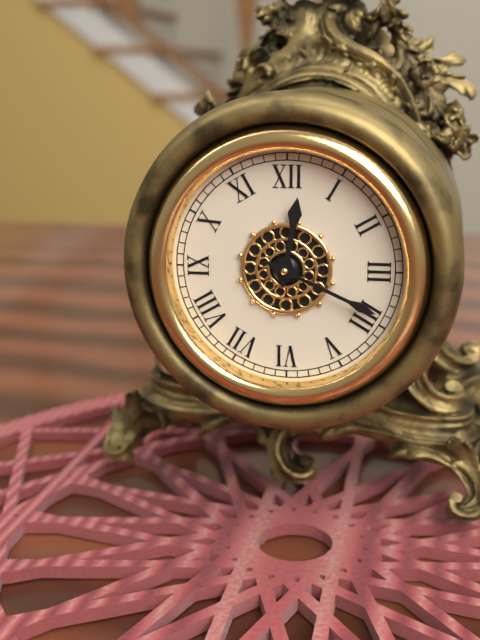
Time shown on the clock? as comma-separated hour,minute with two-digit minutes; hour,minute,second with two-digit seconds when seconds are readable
12,19
